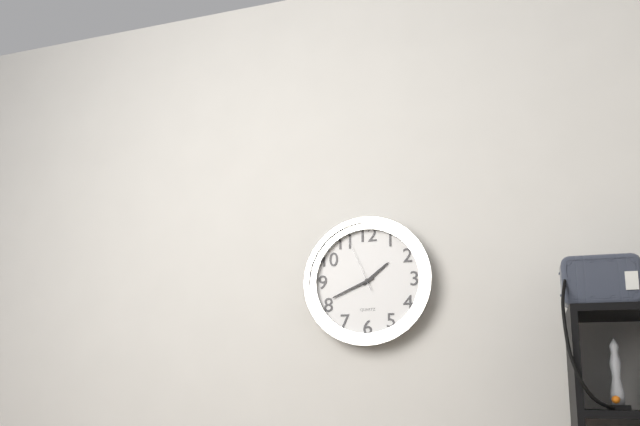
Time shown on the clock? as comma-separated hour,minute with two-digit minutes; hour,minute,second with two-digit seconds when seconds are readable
1,41,56
